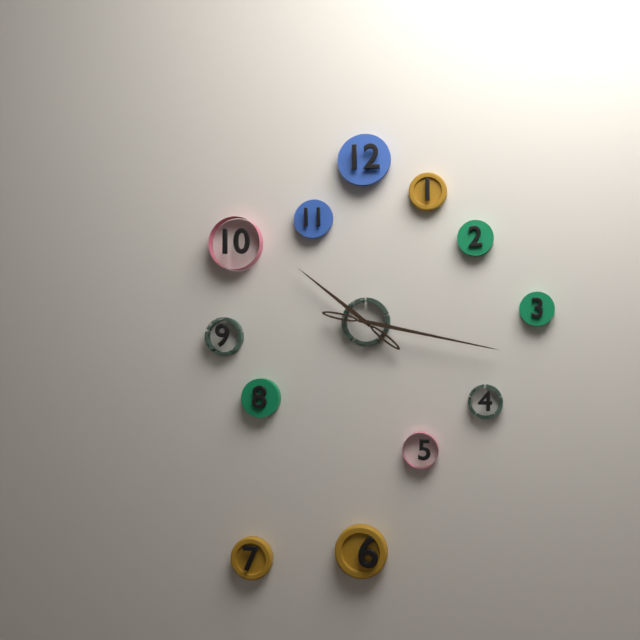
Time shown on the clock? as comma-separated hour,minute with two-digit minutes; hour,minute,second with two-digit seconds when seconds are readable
10,17
